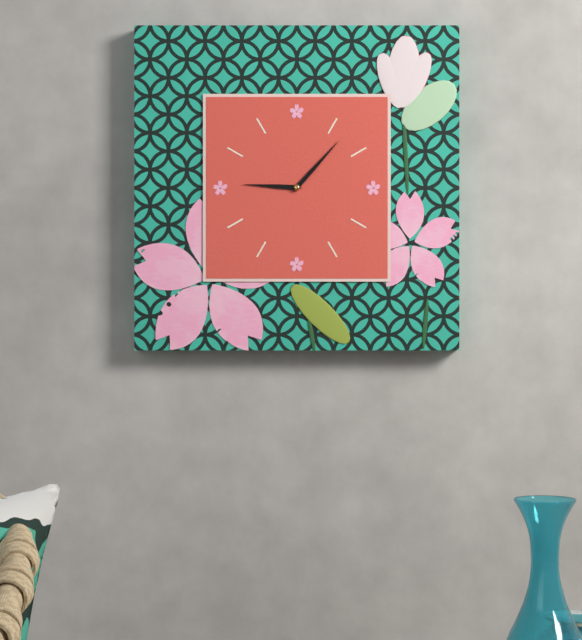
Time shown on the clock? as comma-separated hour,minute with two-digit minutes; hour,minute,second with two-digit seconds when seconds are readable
9,07
